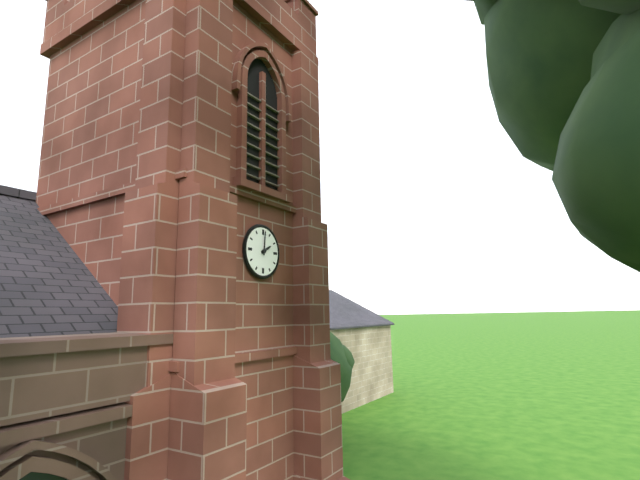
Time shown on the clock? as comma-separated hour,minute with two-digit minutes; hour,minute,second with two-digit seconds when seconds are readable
2,01
